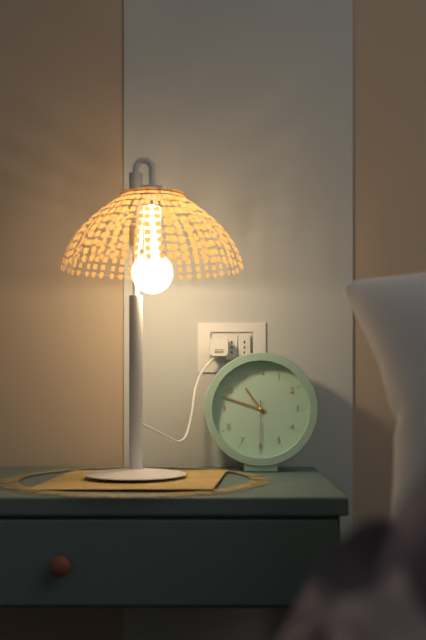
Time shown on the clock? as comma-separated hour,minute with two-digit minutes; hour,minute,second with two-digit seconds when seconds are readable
10,48,30
